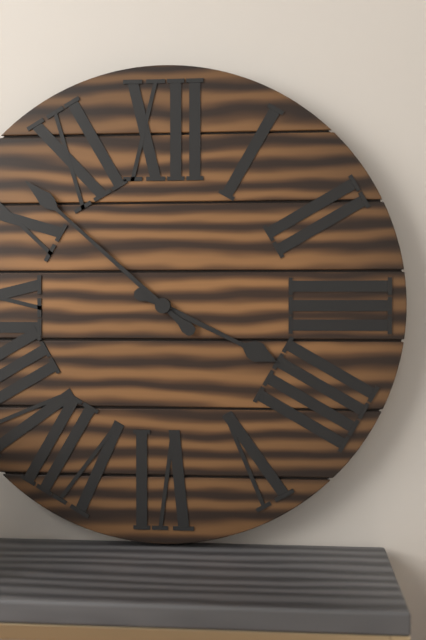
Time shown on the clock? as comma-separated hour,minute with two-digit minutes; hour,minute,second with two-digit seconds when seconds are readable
3,52
